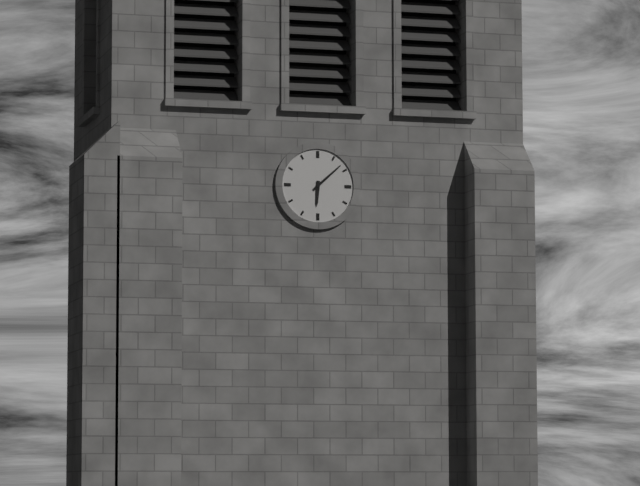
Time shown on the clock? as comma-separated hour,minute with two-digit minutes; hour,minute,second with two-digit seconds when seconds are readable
6,08
